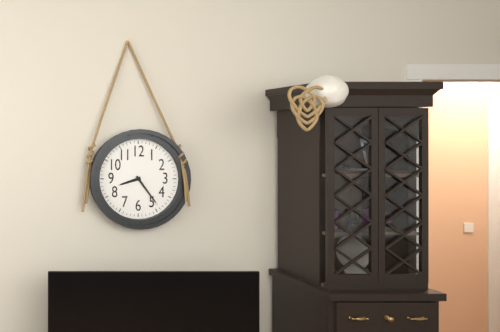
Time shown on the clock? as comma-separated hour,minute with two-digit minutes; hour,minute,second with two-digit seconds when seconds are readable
8,24
